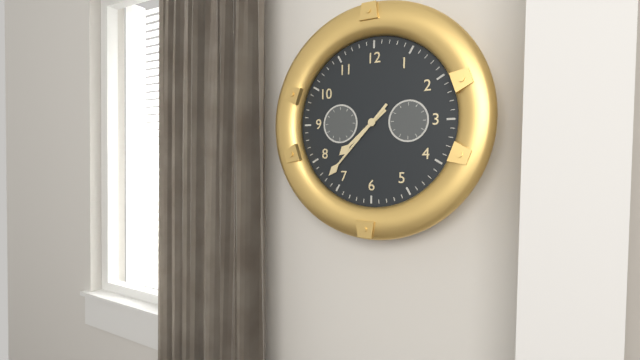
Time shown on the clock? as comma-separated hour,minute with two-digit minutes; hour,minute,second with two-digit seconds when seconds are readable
7,37
